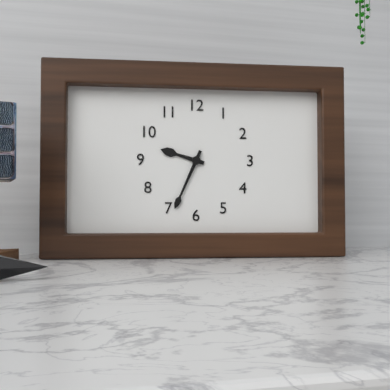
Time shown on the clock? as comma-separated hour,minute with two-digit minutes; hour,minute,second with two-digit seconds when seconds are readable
9,34
